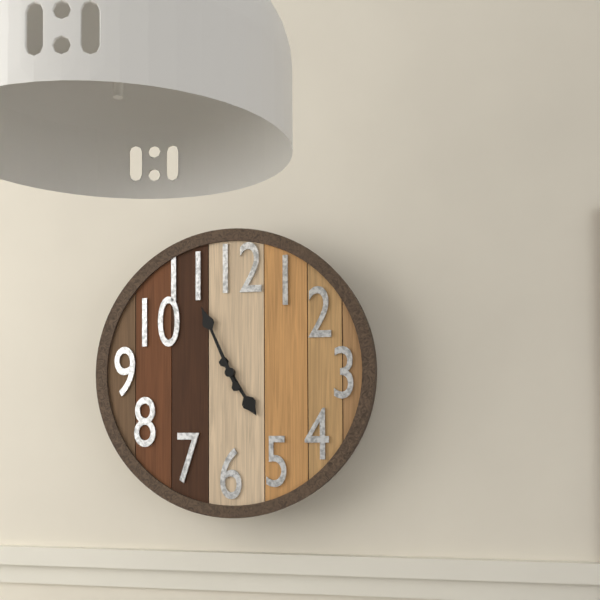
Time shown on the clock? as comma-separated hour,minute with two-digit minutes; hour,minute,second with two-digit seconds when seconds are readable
4,56
